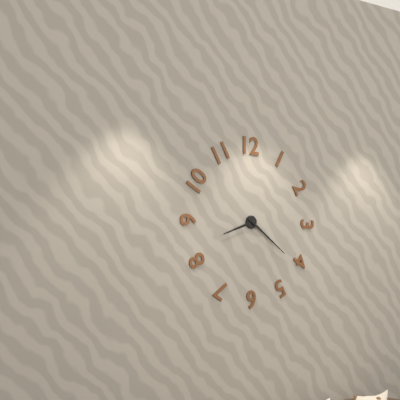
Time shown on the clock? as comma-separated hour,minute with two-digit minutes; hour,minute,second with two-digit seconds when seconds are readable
8,21
